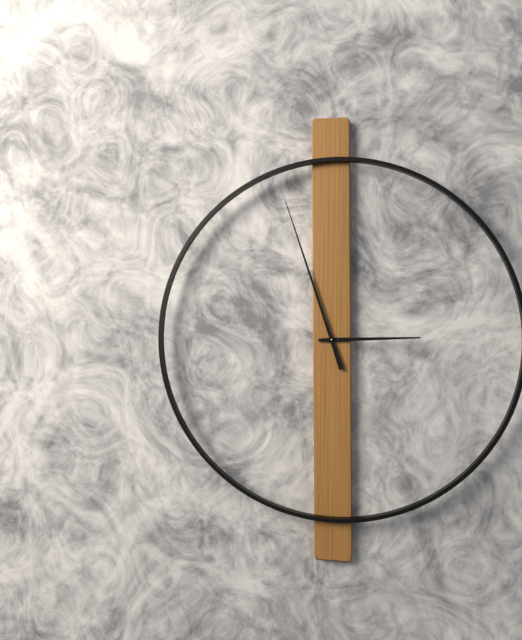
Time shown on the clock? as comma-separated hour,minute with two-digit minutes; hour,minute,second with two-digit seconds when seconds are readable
2,57
